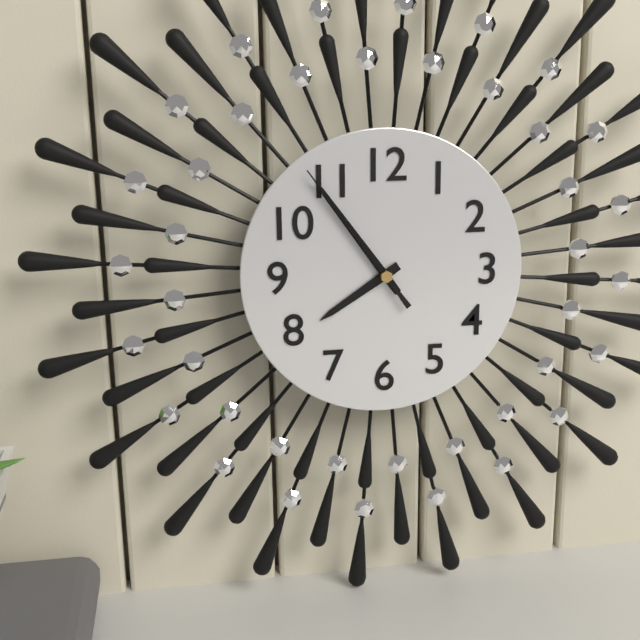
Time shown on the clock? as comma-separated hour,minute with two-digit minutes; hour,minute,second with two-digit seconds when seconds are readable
7,54,54
